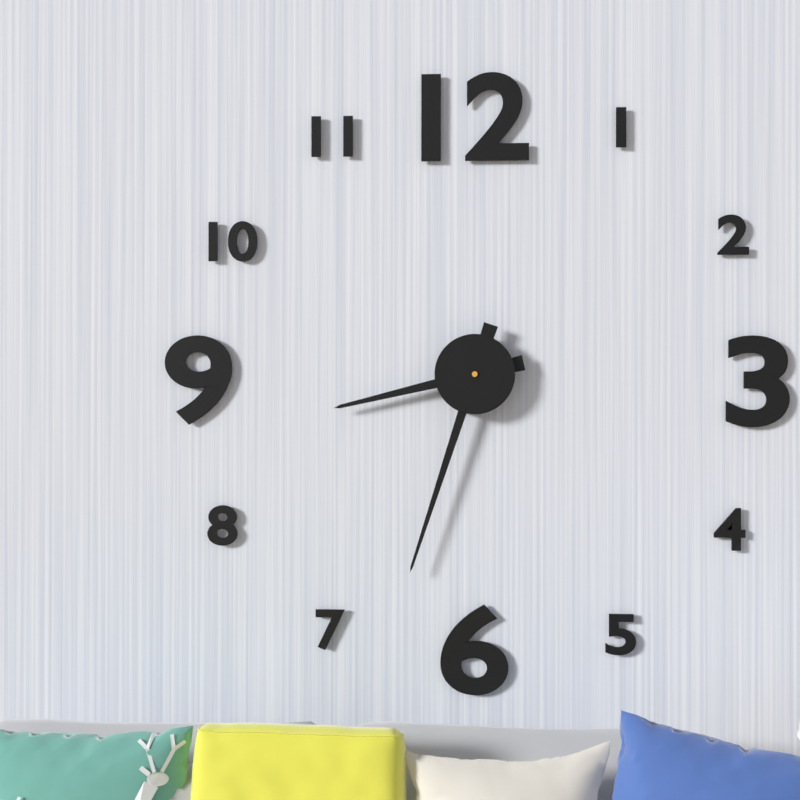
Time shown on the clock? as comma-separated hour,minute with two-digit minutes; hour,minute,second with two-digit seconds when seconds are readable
8,33
